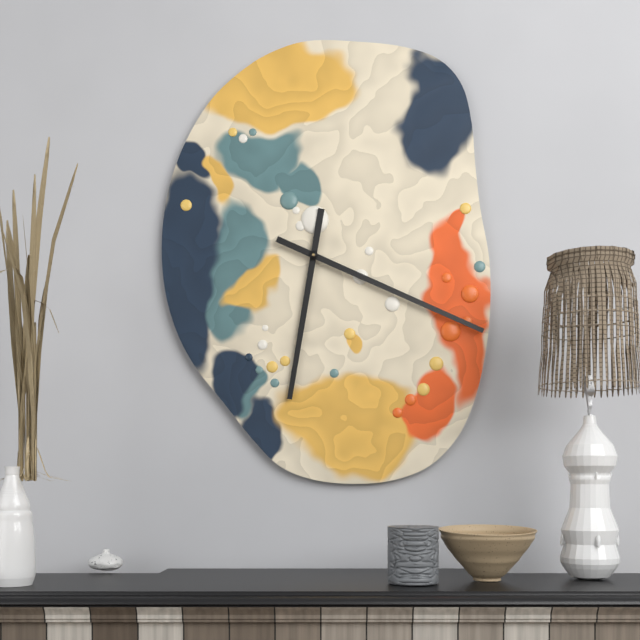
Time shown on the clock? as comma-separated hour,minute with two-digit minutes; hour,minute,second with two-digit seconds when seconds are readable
6,19
